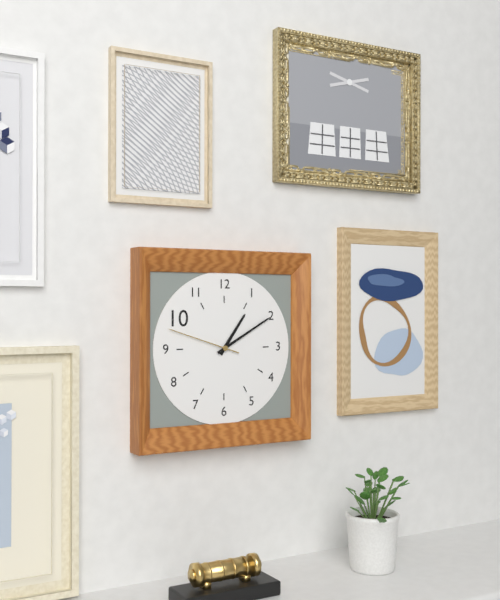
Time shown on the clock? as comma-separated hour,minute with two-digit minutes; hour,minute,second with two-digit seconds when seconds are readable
1,10,48
